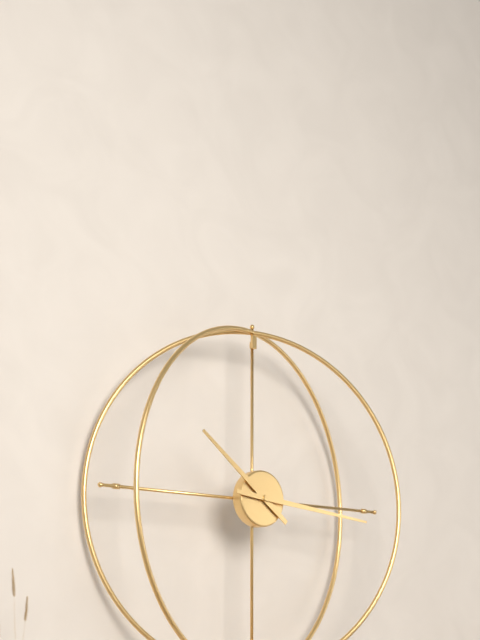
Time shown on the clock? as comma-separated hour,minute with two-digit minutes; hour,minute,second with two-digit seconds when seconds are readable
10,16
